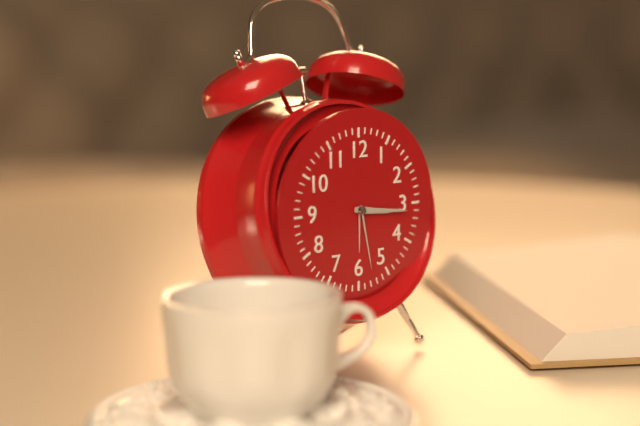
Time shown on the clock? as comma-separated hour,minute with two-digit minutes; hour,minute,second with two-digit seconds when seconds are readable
3,16,28
